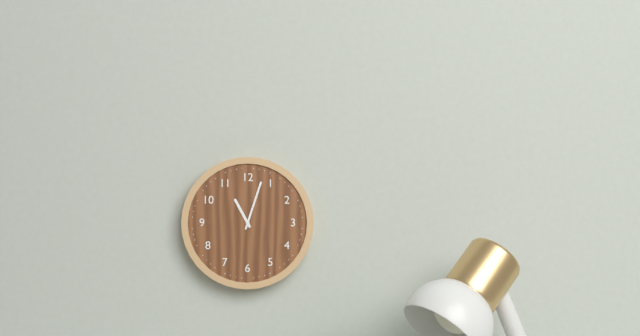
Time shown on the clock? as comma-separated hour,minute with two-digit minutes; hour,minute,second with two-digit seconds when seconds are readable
11,03
